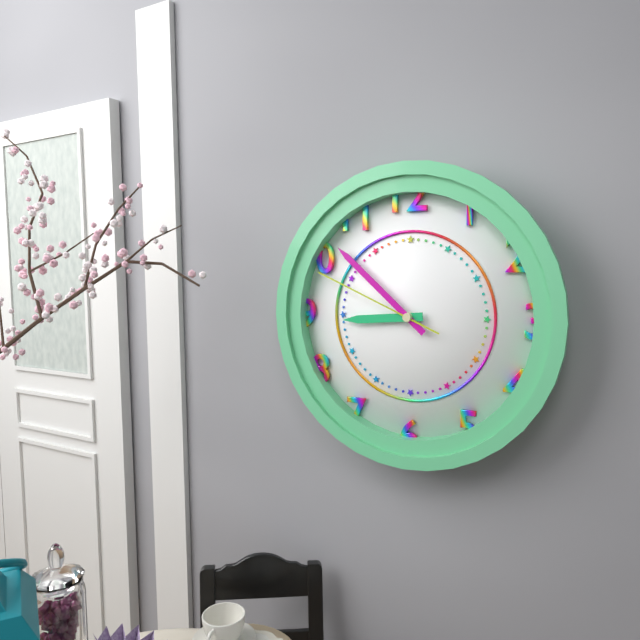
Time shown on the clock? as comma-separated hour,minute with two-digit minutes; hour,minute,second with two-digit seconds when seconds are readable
8,52,49
